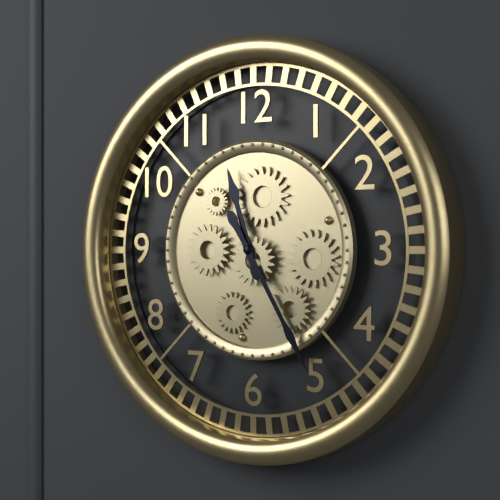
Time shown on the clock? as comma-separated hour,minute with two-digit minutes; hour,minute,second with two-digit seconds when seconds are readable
11,25
